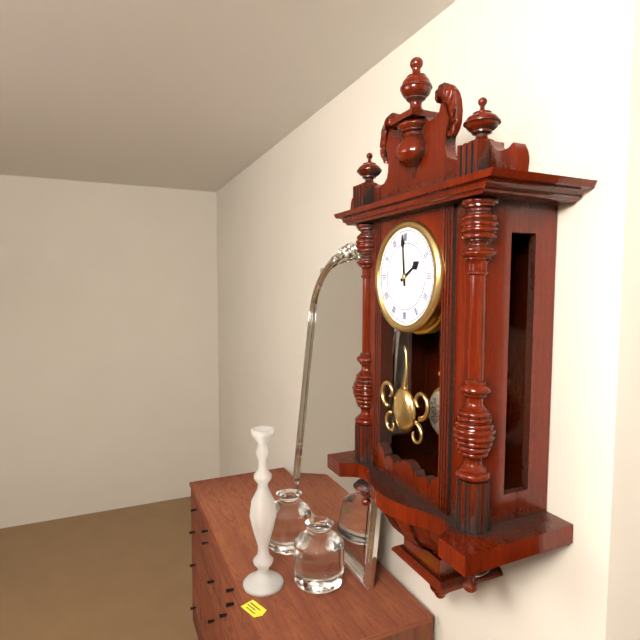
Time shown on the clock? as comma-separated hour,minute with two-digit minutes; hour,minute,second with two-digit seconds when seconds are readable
1,59
